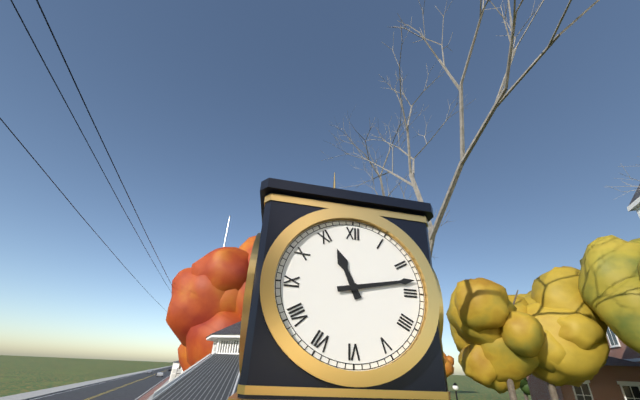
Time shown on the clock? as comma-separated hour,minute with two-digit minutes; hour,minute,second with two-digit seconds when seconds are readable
11,13
